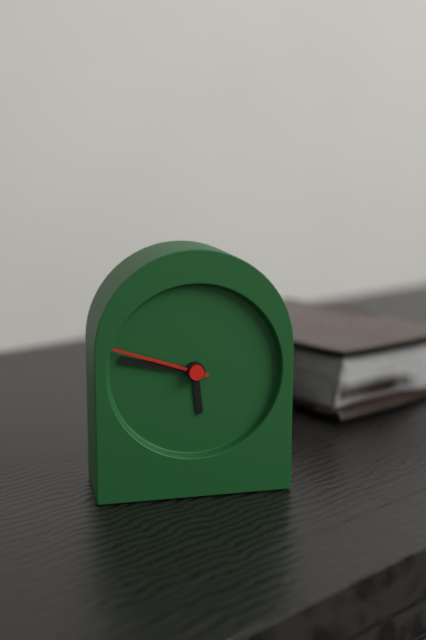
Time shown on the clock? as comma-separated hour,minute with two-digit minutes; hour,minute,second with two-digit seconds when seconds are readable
5,47,48
